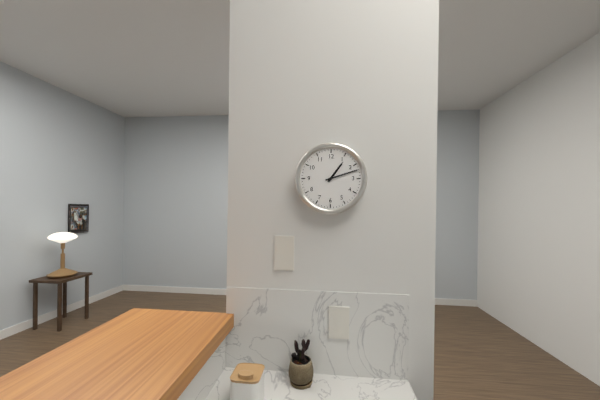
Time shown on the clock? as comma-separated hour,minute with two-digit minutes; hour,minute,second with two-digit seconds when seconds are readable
1,12
